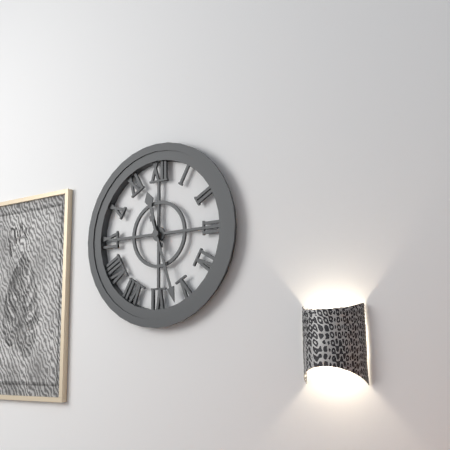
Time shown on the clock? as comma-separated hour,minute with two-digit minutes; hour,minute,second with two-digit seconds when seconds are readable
11,27
